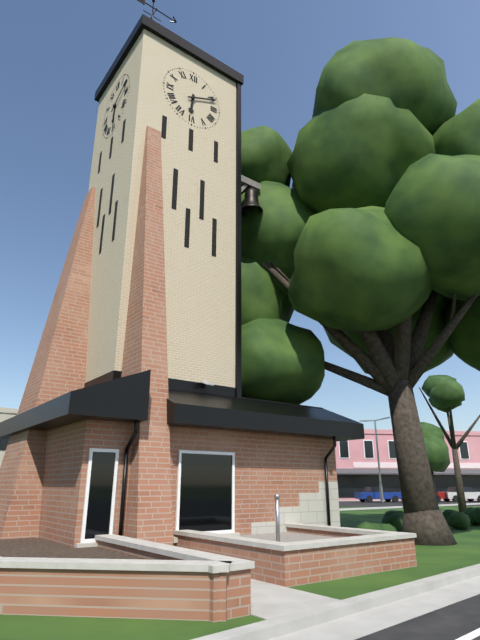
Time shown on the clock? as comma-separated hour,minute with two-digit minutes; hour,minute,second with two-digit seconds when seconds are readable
6,11
